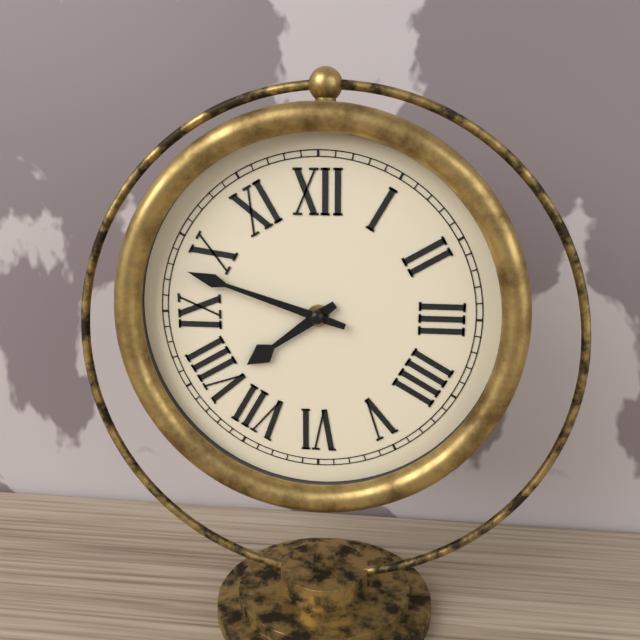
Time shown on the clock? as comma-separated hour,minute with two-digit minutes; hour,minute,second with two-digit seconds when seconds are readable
7,48
